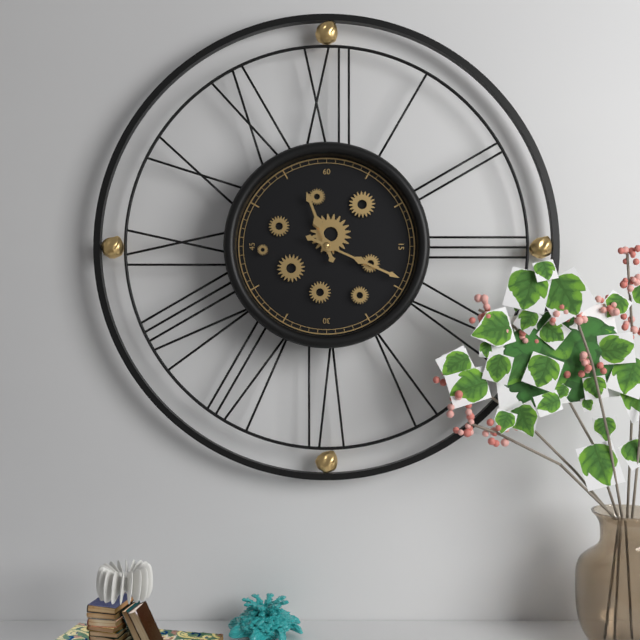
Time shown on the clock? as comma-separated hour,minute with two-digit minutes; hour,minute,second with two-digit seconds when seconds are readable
11,19
